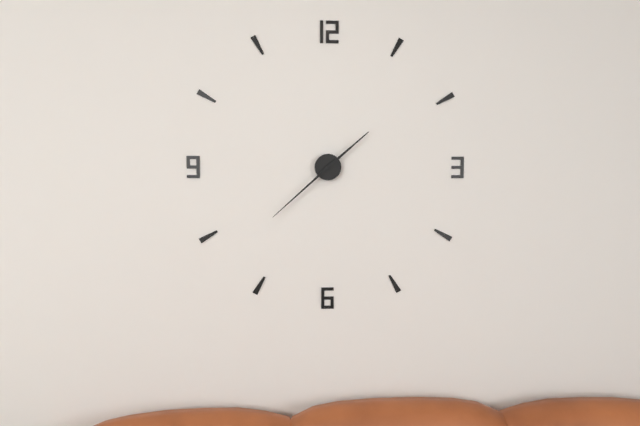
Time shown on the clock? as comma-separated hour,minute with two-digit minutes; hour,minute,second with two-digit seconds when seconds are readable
1,38
